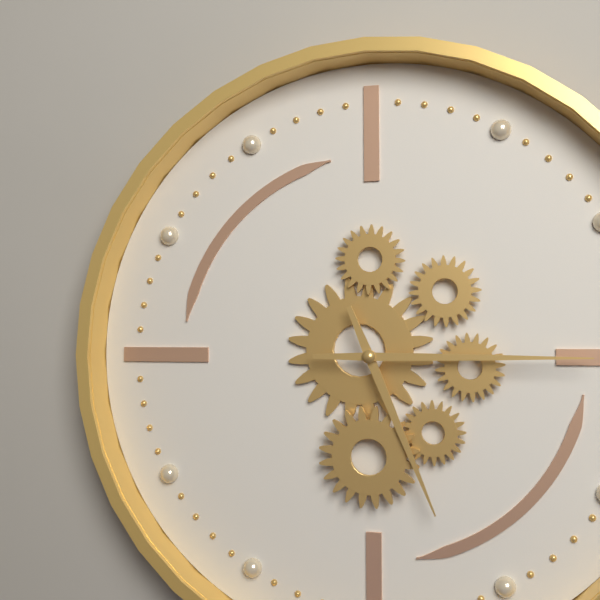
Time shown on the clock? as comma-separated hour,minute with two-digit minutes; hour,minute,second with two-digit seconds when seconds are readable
5,15
